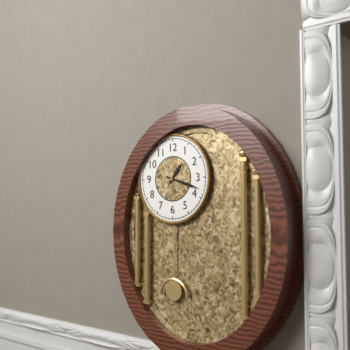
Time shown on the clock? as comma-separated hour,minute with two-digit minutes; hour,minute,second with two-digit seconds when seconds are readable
1,18
